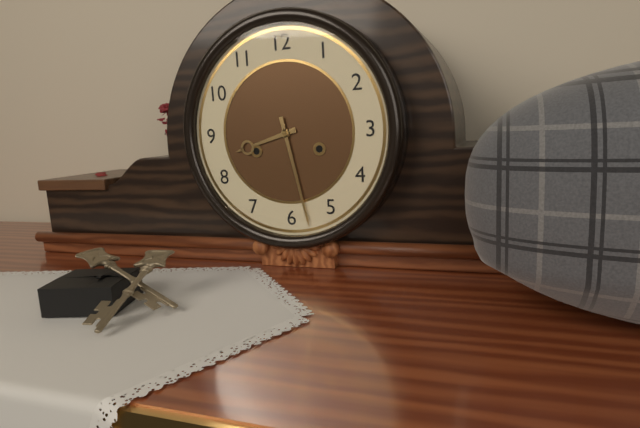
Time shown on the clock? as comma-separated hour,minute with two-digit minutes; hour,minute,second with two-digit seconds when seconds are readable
8,28
